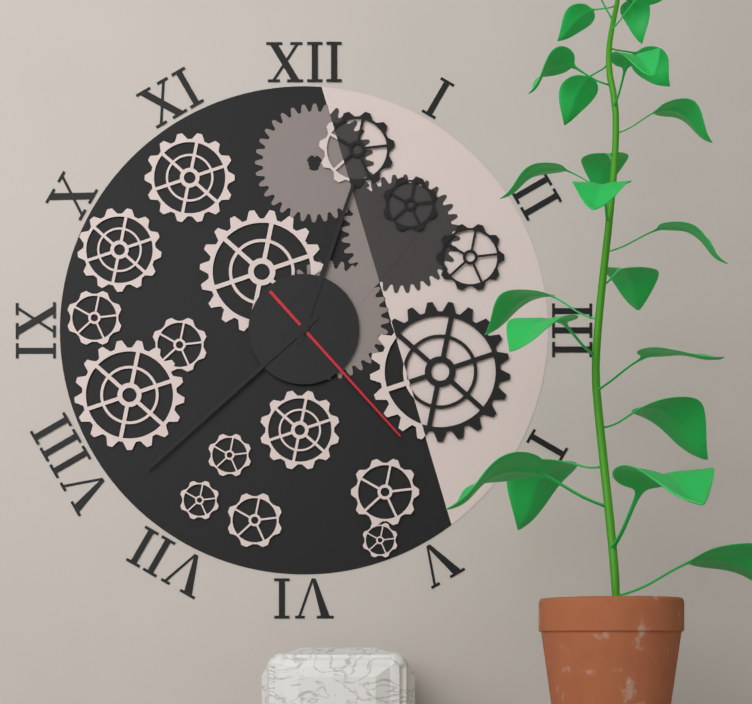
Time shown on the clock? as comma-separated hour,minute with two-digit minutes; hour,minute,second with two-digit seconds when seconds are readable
12,38,23
